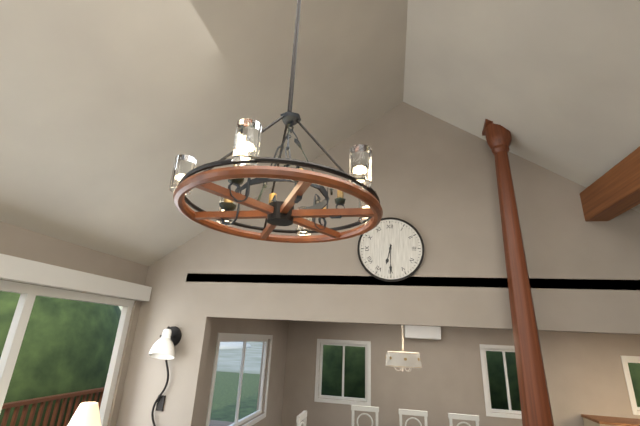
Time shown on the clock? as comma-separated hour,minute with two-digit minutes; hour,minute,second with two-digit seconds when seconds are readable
6,30
